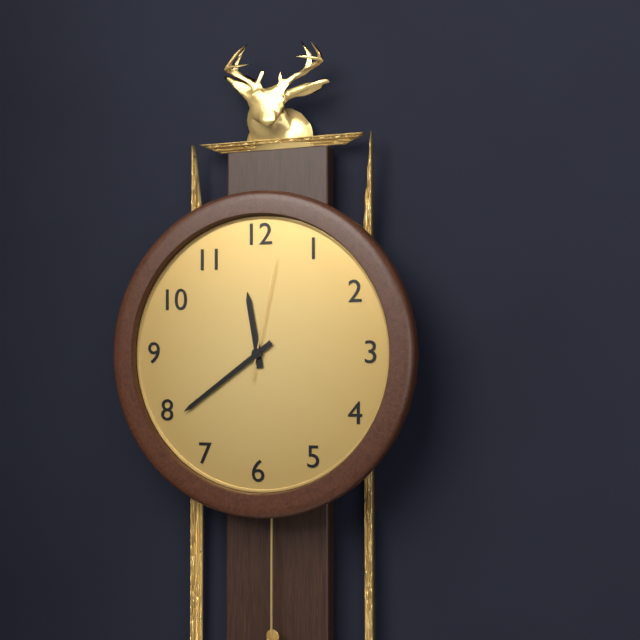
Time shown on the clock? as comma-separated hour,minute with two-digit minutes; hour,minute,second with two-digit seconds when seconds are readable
11,39,02
